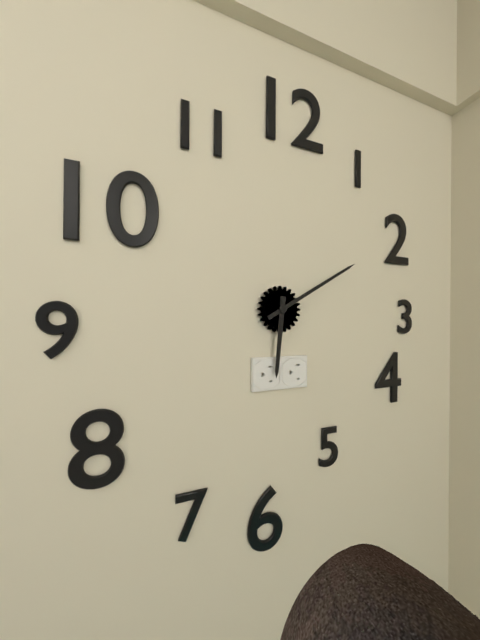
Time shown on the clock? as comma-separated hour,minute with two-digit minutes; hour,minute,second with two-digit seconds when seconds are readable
6,10
